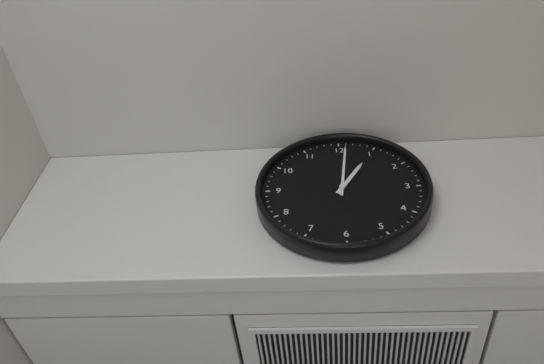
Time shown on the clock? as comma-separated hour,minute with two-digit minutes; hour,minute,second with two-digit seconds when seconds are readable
1,01
